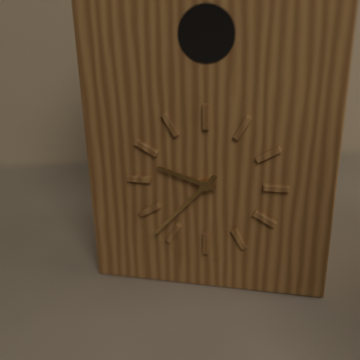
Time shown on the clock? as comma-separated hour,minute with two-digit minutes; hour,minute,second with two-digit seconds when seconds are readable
9,37
